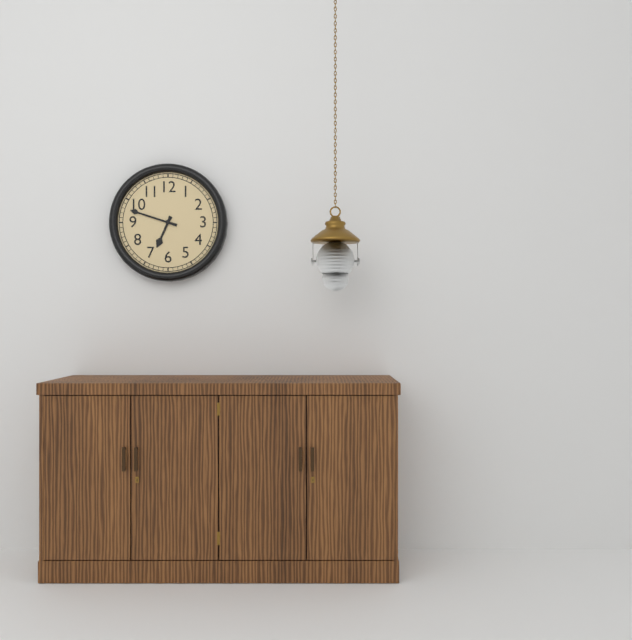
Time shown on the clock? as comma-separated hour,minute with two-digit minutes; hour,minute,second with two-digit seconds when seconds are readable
6,48
